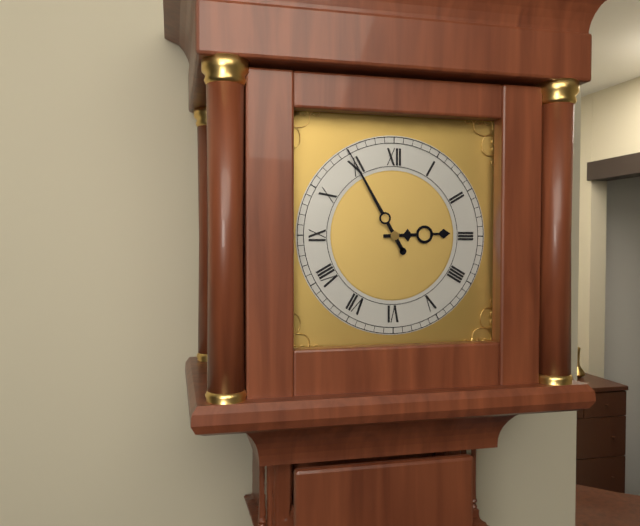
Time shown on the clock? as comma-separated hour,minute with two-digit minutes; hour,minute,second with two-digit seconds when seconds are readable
2,55
